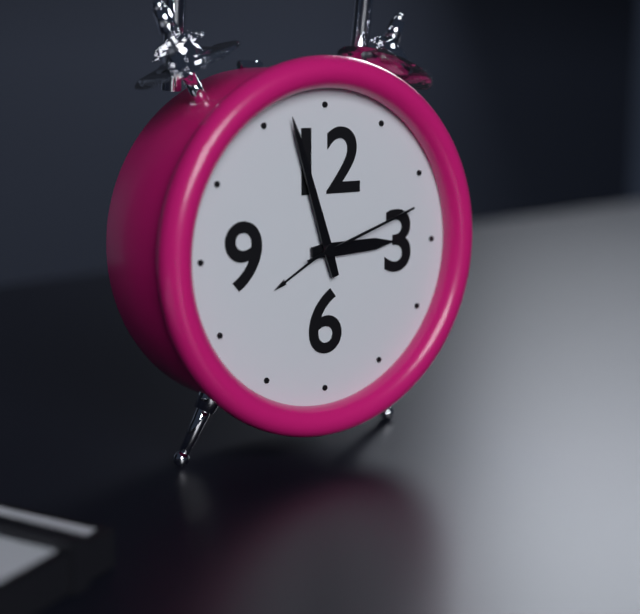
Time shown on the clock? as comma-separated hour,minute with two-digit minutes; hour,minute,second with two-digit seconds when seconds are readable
2,57,12
